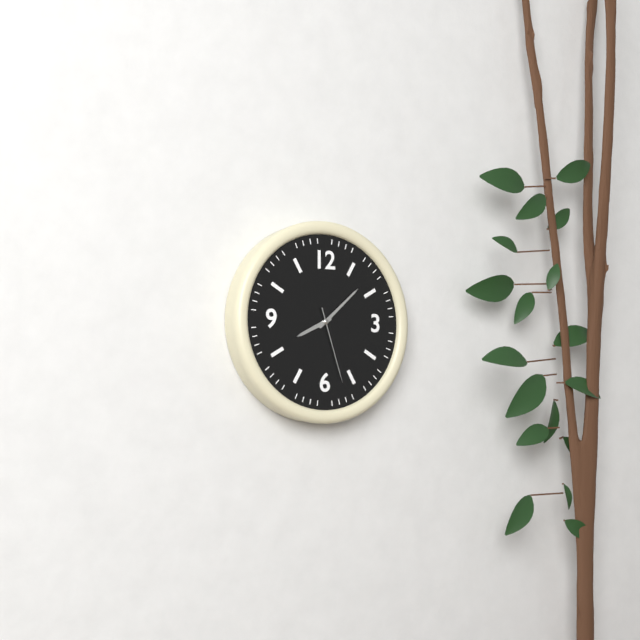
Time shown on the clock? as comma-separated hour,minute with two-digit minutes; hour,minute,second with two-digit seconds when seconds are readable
8,08,27
